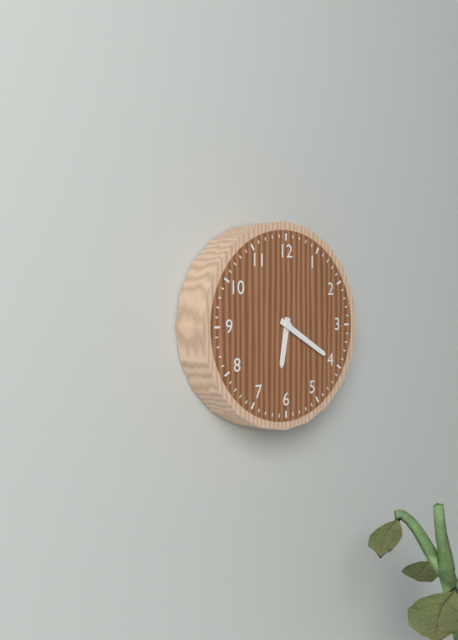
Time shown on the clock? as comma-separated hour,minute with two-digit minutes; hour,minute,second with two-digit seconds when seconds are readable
6,20
